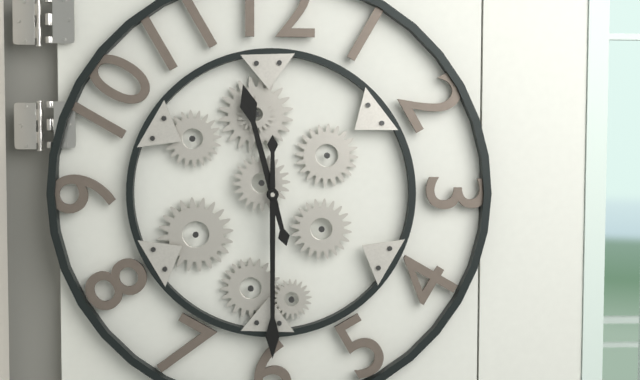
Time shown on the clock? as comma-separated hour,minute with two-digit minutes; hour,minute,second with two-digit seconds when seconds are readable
11,30
